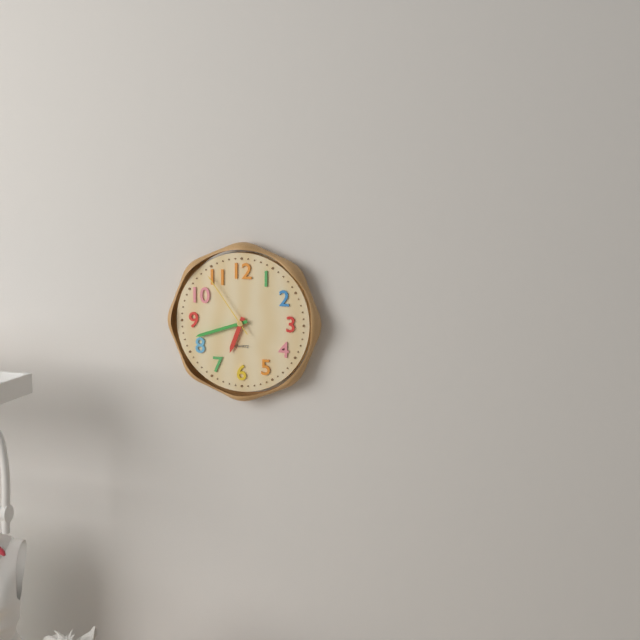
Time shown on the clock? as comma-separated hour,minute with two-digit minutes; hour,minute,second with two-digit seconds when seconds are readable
6,42,54
